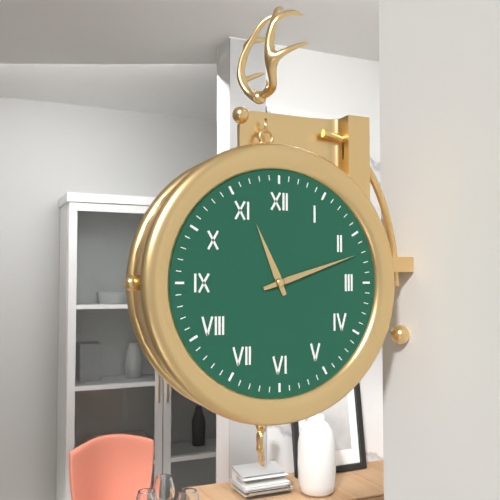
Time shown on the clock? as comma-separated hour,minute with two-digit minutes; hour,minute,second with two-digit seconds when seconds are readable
11,12
